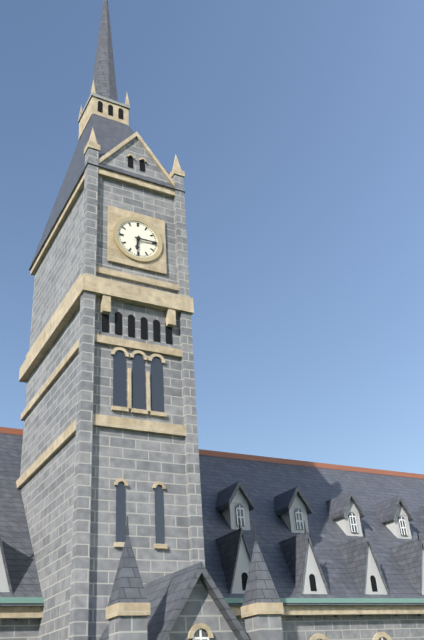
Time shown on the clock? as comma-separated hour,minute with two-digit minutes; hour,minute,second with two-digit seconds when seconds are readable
6,15
